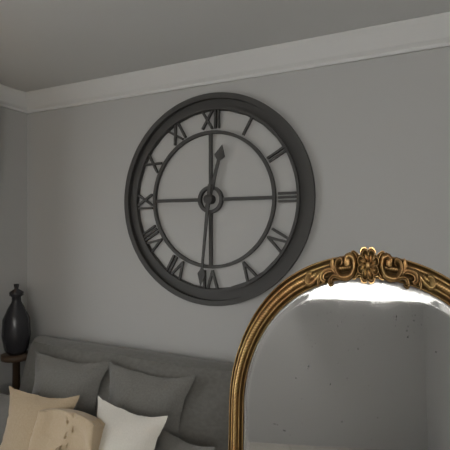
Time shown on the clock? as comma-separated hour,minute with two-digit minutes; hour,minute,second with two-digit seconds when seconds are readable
12,31
